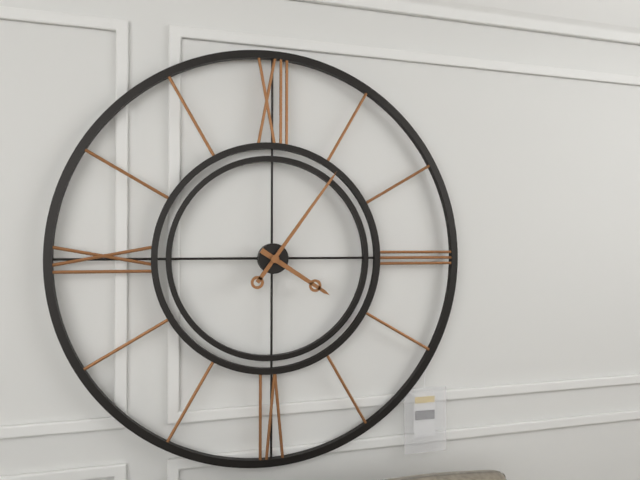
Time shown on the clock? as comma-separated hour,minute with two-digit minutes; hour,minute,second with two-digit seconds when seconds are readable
4,06
